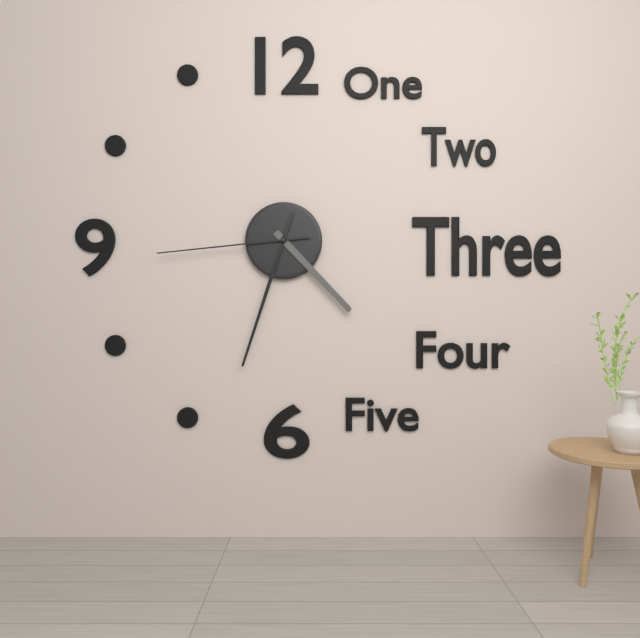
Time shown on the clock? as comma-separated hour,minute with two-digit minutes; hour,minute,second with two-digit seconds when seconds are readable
4,33,44
